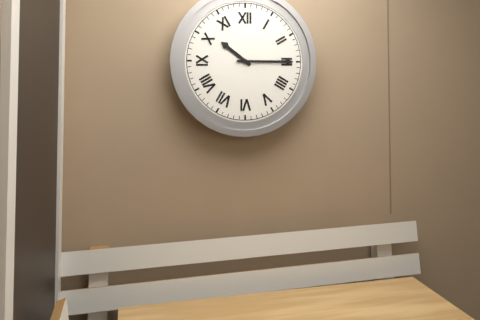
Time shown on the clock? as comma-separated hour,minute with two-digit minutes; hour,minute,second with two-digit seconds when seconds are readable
10,15
